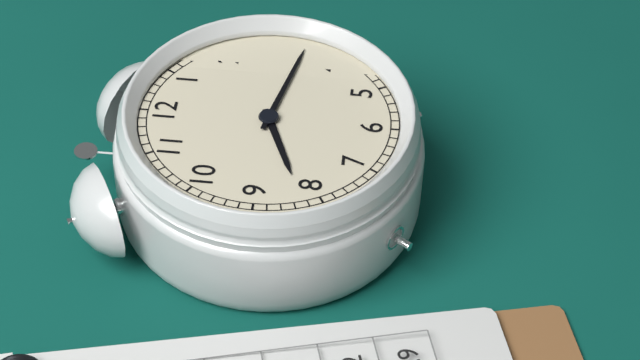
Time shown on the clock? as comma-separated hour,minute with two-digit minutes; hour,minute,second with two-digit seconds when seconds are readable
8,17
